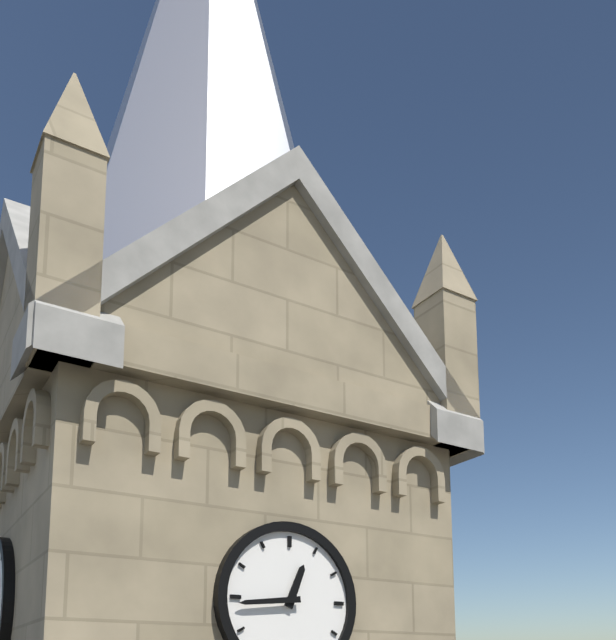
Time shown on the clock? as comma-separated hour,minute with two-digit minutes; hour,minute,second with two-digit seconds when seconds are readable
12,44
